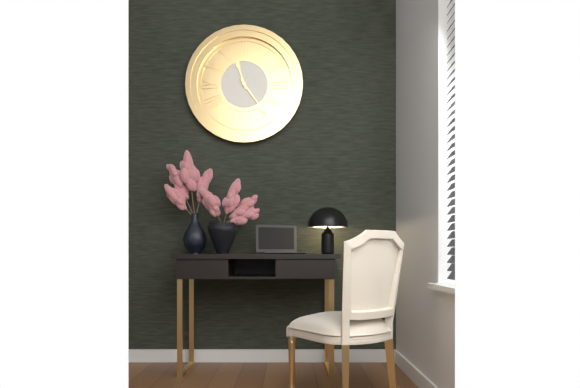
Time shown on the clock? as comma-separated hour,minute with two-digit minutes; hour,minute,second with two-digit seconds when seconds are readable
11,24
